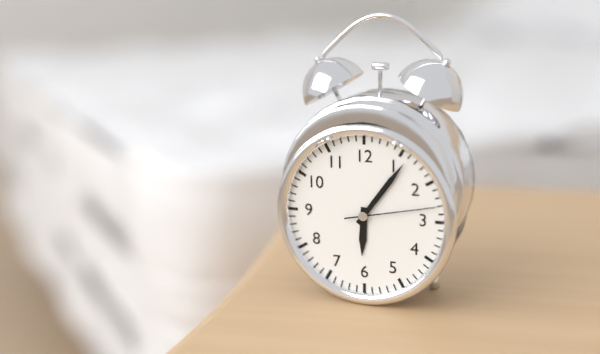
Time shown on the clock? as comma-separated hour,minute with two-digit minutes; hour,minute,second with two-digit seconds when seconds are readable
6,06,13
